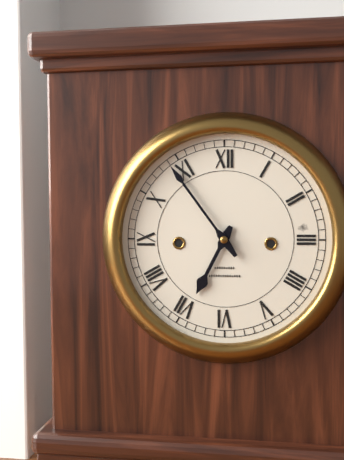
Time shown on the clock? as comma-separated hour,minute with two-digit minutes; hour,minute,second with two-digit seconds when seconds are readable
6,54
